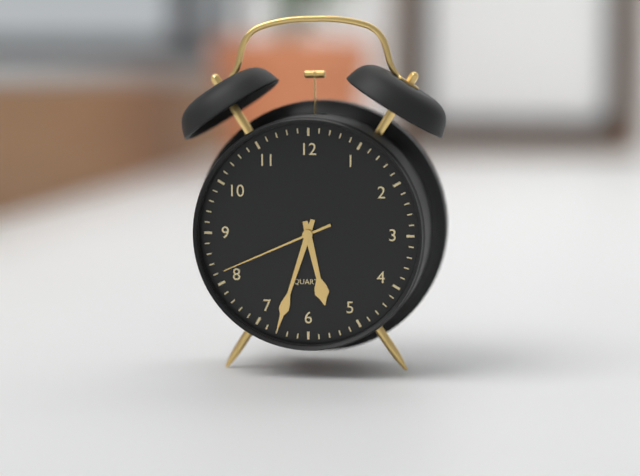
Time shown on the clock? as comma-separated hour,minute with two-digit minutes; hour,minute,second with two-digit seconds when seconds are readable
5,33,41
